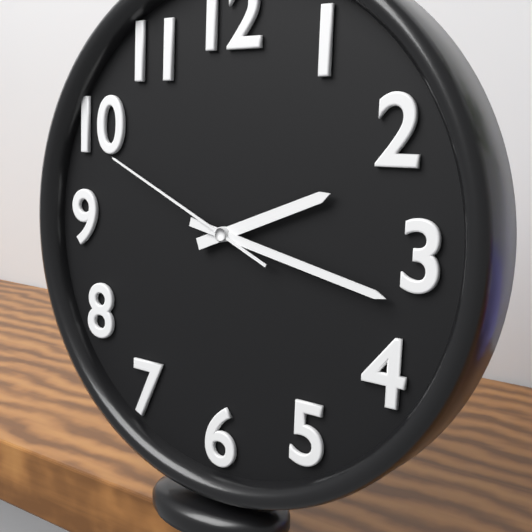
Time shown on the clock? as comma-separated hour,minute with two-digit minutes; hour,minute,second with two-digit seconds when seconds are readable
2,17,49
